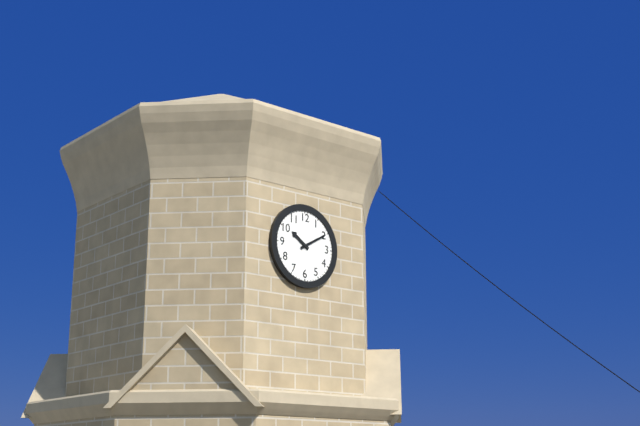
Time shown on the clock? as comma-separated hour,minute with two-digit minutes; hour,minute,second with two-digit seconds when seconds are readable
10,10
